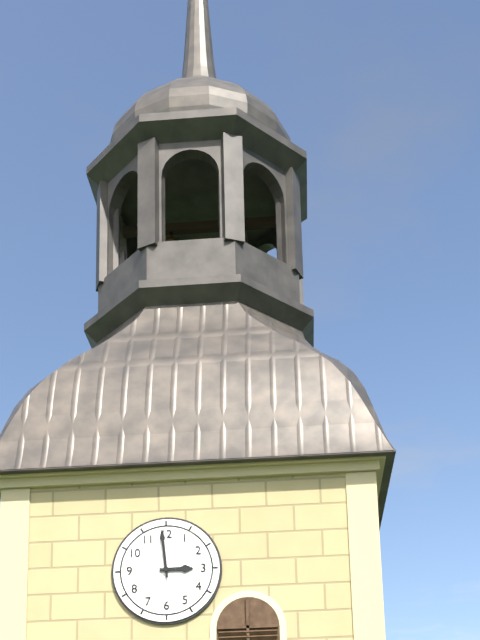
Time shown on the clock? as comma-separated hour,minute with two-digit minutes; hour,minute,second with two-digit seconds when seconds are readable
2,59
